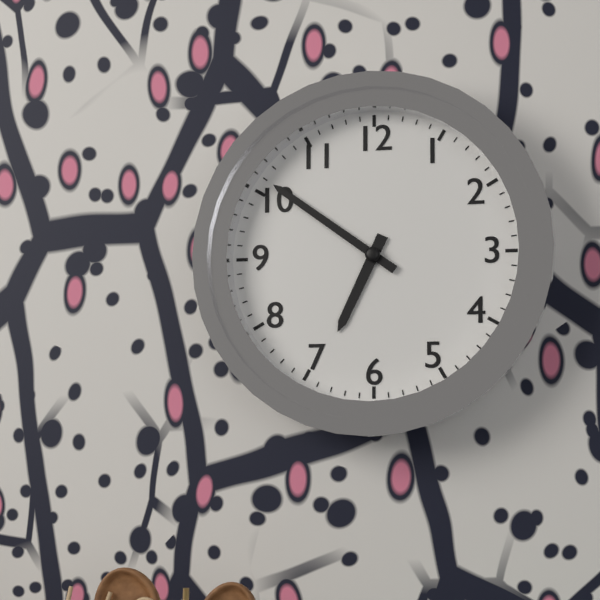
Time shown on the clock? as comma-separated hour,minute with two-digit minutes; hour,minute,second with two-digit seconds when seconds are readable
6,51
